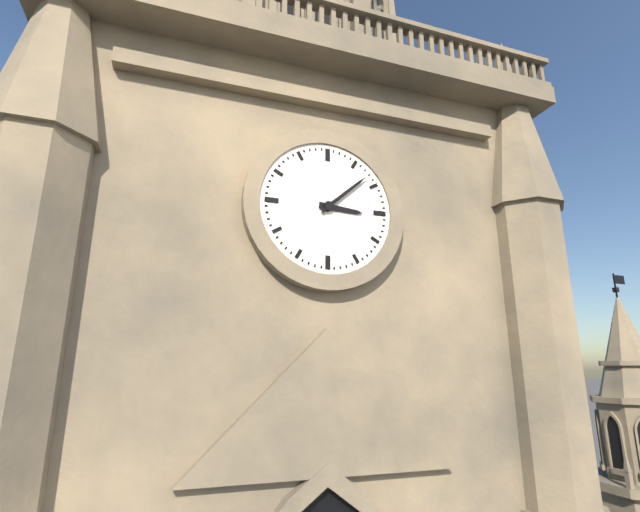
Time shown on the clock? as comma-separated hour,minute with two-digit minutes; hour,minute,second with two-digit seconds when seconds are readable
3,08
